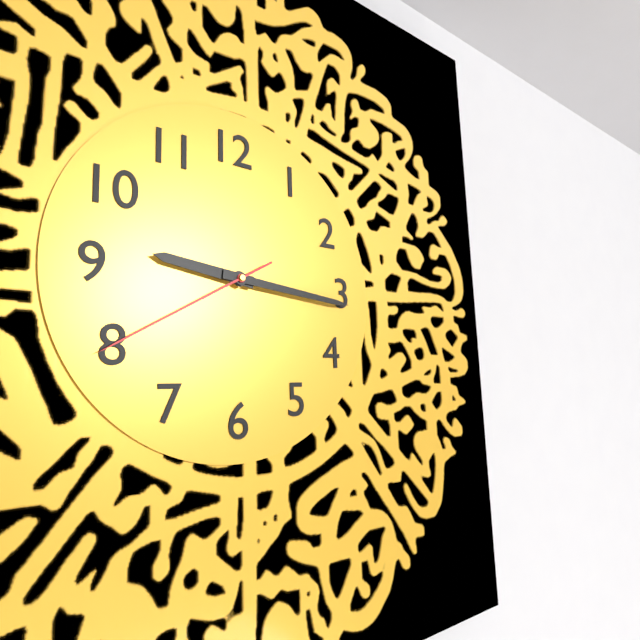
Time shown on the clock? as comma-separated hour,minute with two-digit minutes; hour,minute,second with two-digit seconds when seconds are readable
9,16,40
